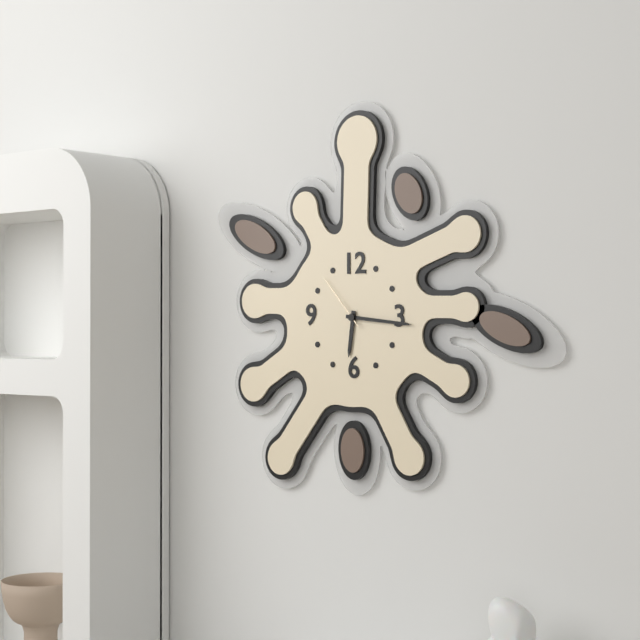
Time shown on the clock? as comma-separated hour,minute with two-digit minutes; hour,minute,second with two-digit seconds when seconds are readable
6,16,53
